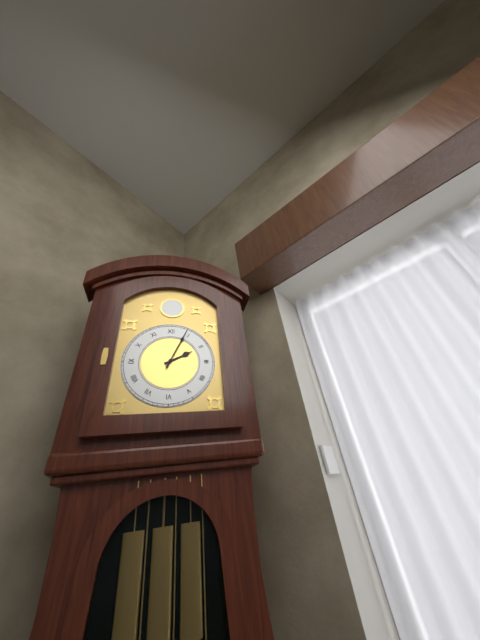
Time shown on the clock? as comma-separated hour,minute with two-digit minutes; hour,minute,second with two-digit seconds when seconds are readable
2,04
